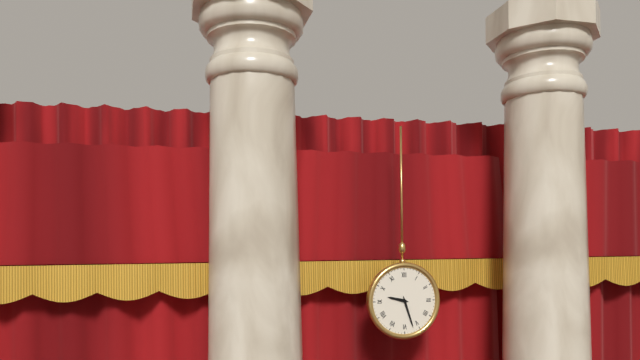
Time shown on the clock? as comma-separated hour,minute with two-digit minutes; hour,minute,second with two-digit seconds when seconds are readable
9,27
